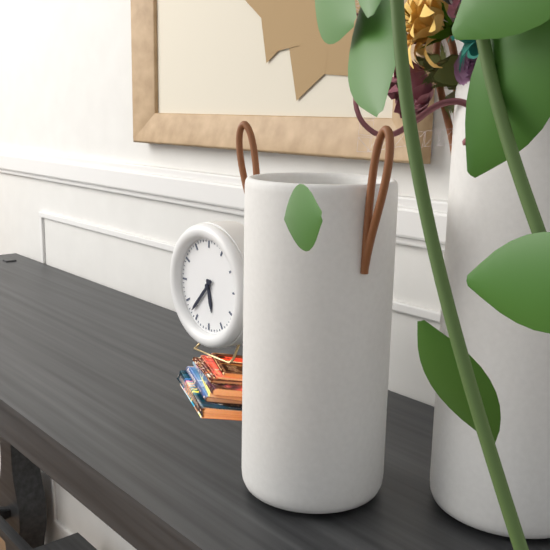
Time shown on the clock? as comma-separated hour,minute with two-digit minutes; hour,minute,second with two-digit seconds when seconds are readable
5,37
